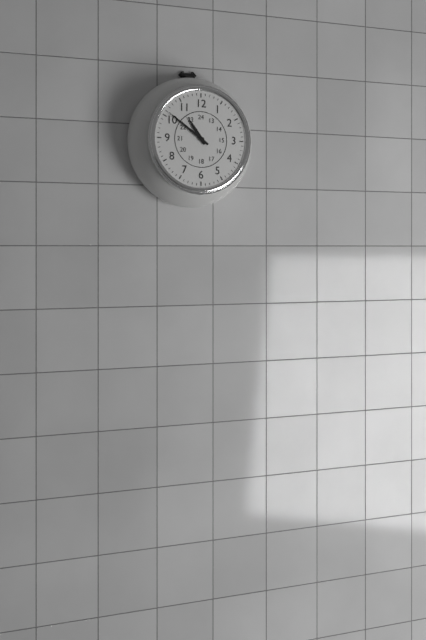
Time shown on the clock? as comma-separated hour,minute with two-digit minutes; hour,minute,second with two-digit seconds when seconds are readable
10,51
